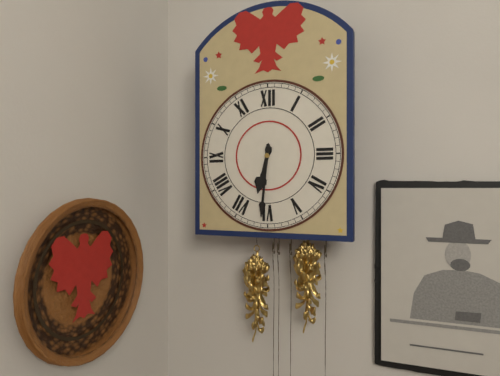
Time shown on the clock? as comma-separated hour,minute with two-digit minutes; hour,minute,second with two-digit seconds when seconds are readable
6,31
